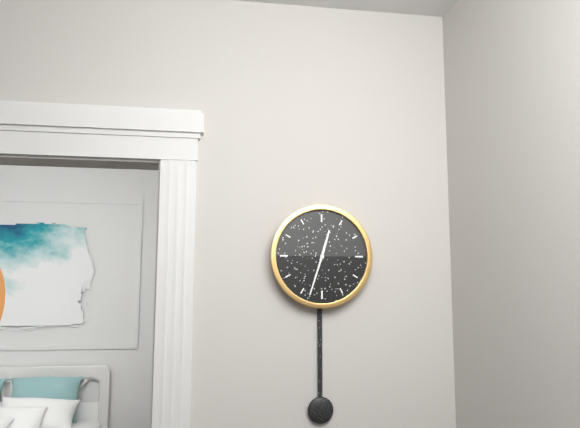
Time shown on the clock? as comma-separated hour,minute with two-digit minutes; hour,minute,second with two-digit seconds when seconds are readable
12,33
